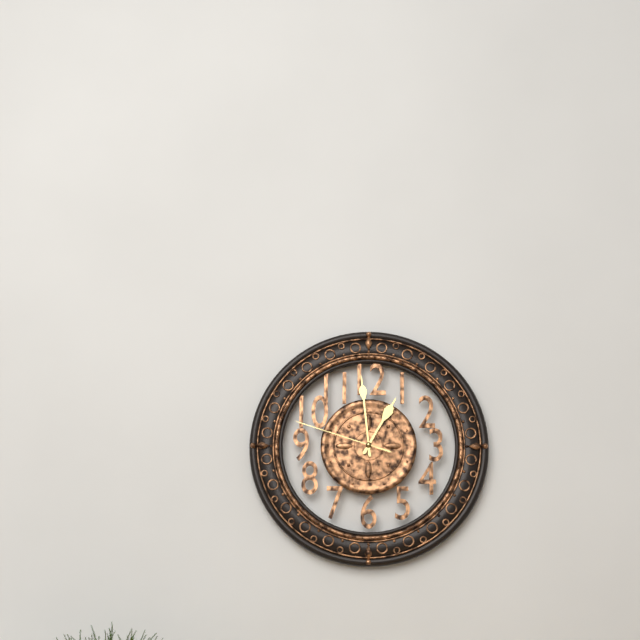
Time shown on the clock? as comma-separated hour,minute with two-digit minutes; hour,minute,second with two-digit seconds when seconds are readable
12,59,48
